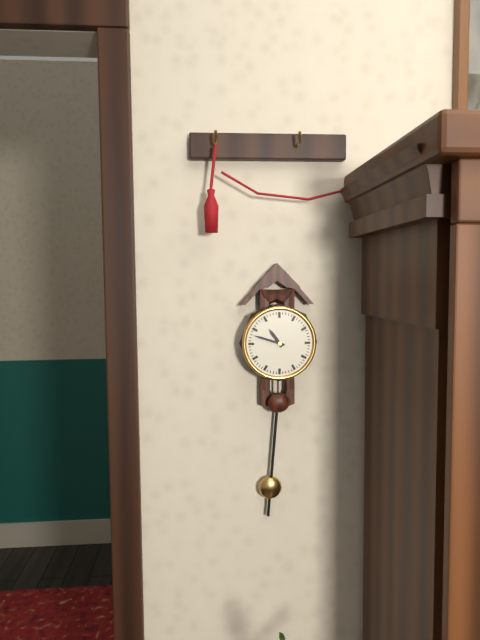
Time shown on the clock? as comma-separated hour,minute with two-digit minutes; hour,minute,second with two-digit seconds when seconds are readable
10,48
